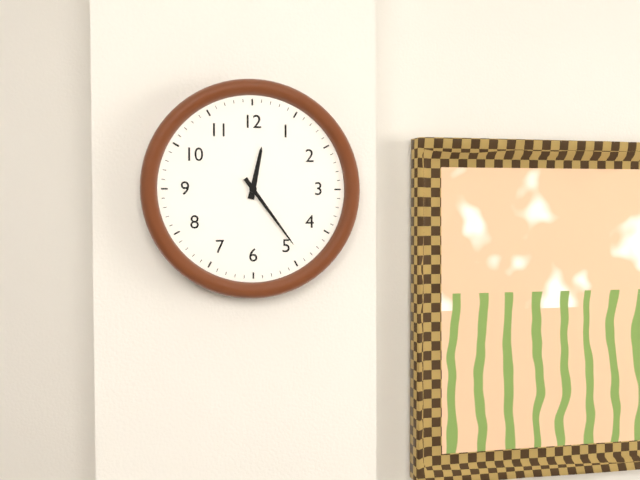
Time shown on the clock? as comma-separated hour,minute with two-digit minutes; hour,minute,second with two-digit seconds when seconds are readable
12,24
